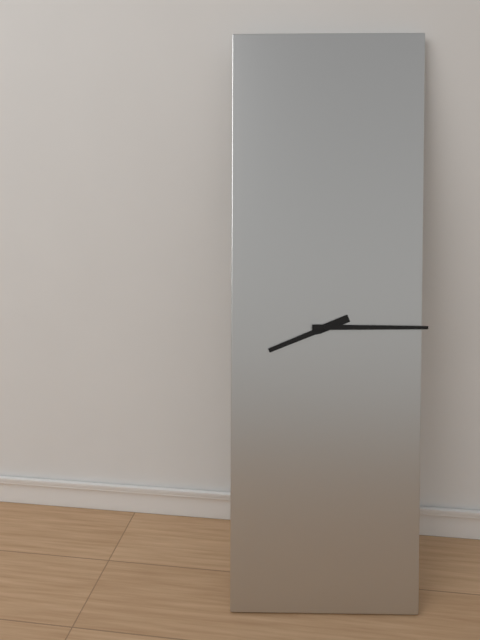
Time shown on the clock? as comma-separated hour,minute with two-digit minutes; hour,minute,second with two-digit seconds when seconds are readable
8,15
